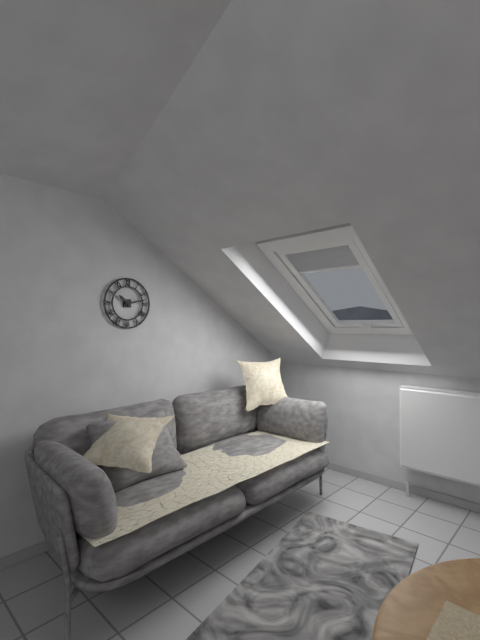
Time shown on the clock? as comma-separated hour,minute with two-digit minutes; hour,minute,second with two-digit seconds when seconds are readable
10,13
